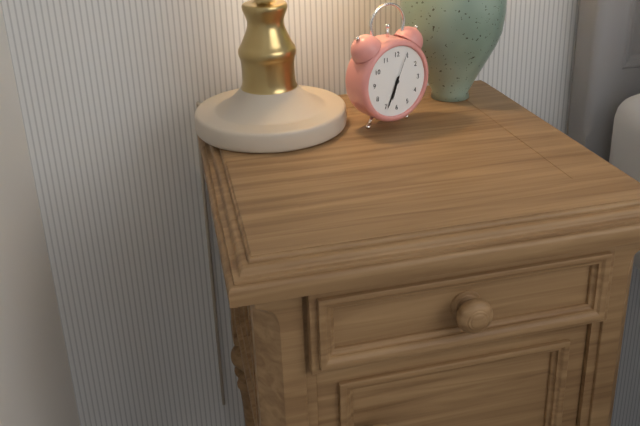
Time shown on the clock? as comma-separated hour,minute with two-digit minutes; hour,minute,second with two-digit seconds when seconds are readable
6,34
